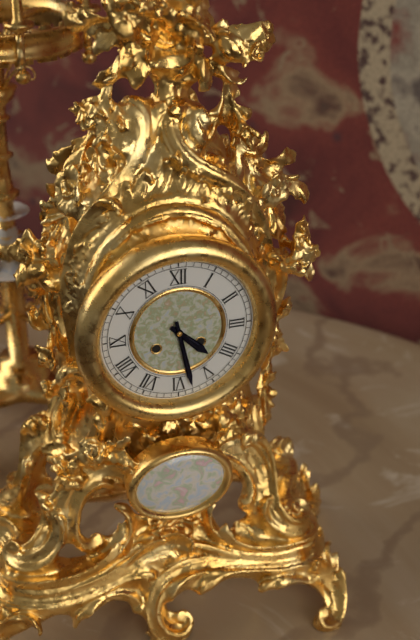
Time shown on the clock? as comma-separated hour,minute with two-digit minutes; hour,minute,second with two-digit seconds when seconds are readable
4,28
